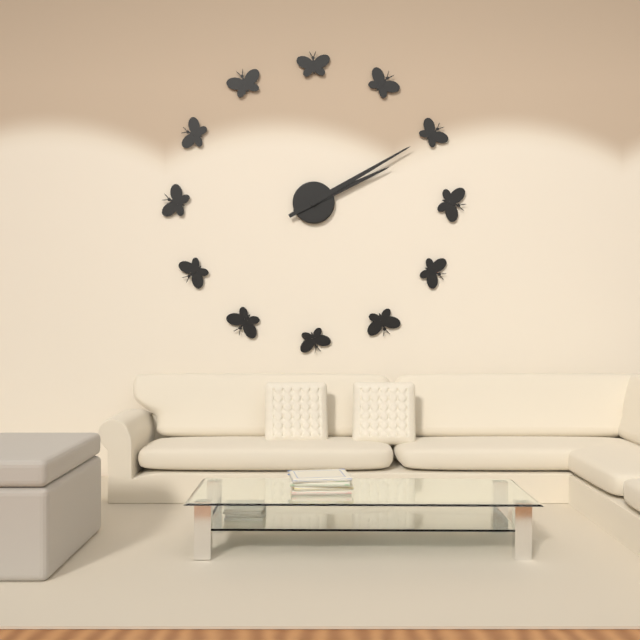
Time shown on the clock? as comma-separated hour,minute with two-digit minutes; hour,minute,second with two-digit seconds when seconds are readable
2,10
